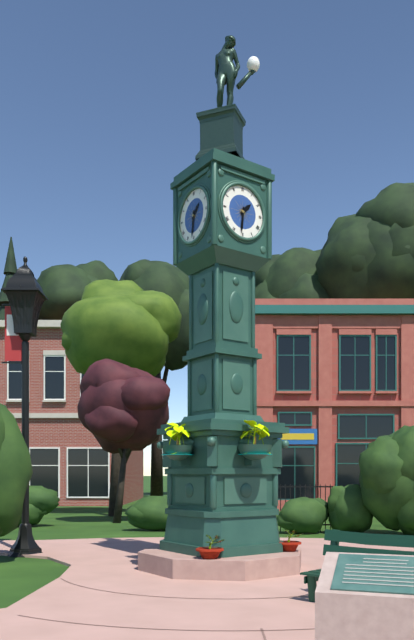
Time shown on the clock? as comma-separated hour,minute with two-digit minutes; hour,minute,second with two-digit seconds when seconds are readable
1,31
